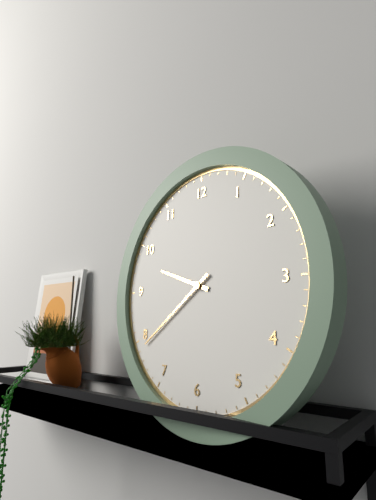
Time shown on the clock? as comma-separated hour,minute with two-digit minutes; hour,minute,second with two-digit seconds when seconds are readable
9,39
